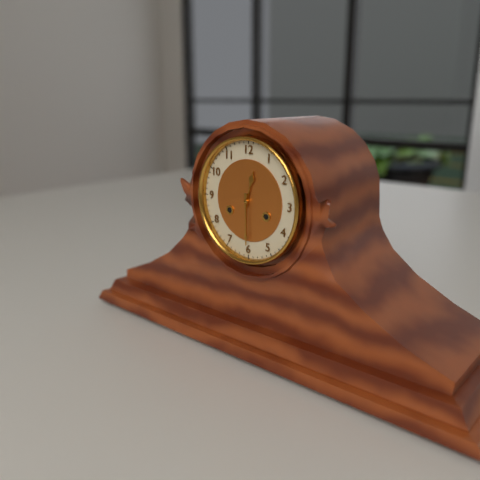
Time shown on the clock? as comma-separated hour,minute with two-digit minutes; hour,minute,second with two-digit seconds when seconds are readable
12,30
